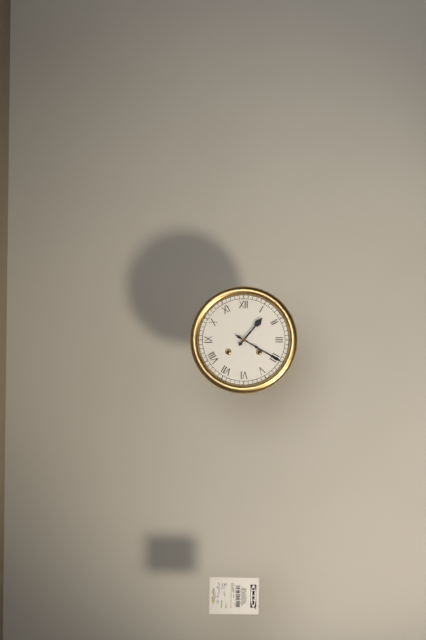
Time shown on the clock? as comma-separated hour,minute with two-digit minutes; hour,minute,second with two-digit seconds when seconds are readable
1,20
